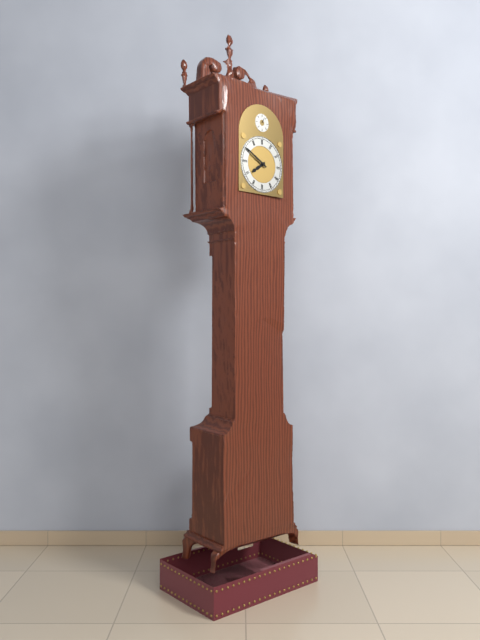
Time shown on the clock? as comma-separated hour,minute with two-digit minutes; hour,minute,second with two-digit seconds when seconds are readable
7,50
